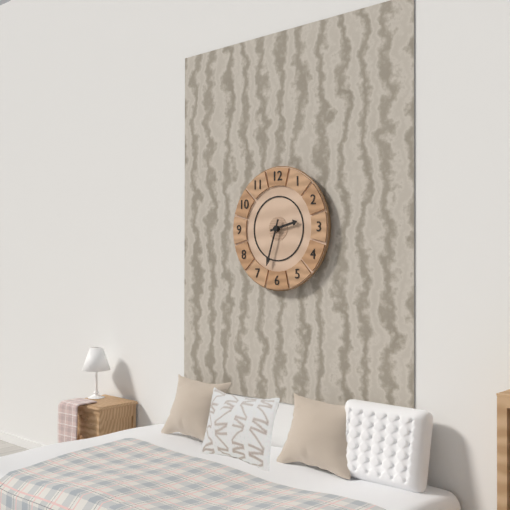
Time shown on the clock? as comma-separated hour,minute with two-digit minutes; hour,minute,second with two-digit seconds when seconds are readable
2,33
